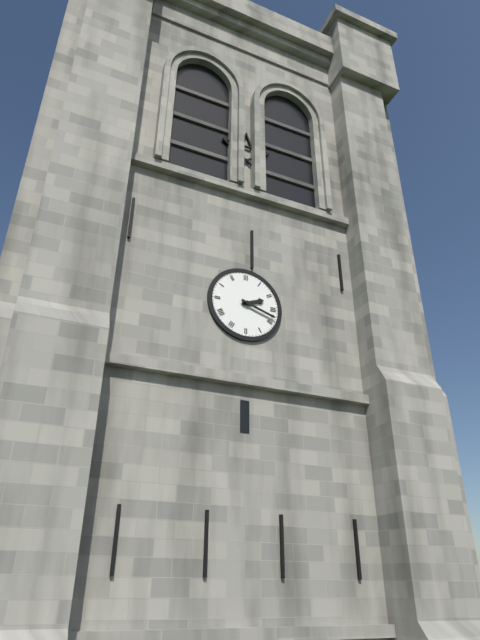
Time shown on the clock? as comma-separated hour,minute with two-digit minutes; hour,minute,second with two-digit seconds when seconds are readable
2,18
